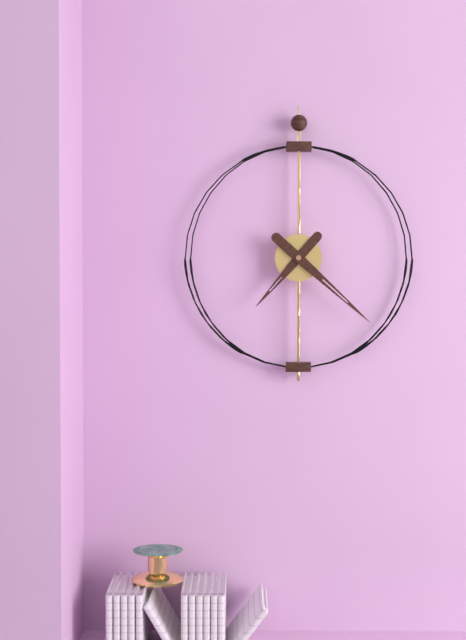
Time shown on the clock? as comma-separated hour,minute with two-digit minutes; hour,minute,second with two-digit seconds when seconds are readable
7,22
